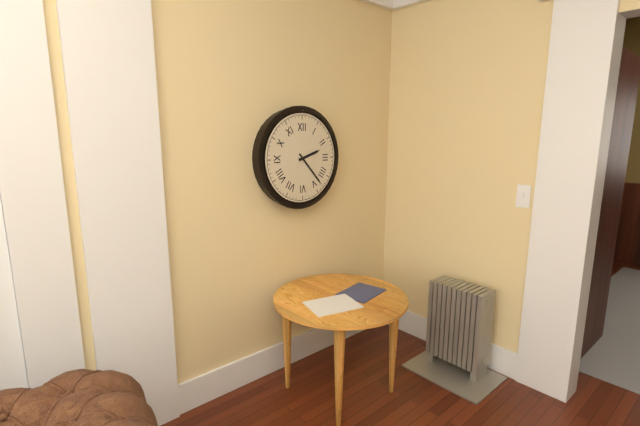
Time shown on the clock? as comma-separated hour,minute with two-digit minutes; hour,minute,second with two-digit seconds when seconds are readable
2,23
